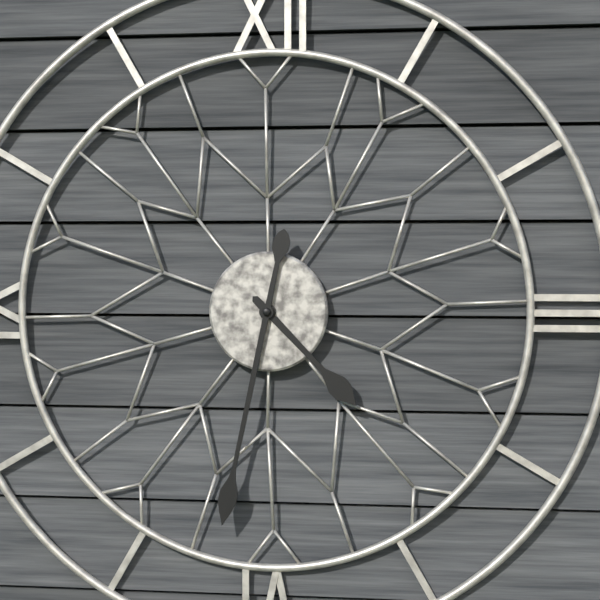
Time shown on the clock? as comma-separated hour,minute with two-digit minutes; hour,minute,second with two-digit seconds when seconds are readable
4,32
